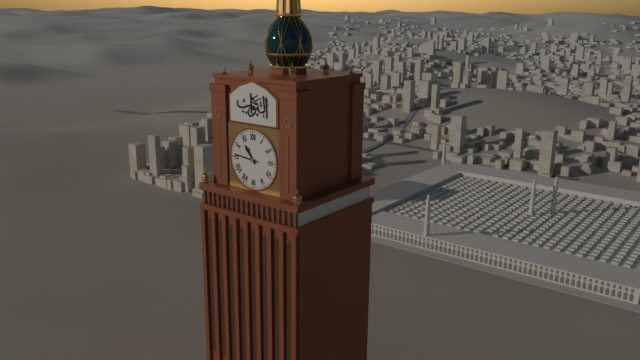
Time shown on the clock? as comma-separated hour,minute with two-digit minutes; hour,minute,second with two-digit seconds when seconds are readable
10,46
